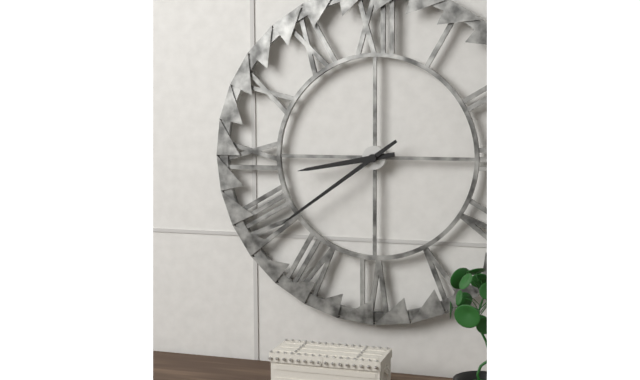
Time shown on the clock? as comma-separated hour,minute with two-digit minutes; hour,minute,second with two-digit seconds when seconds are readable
8,39
